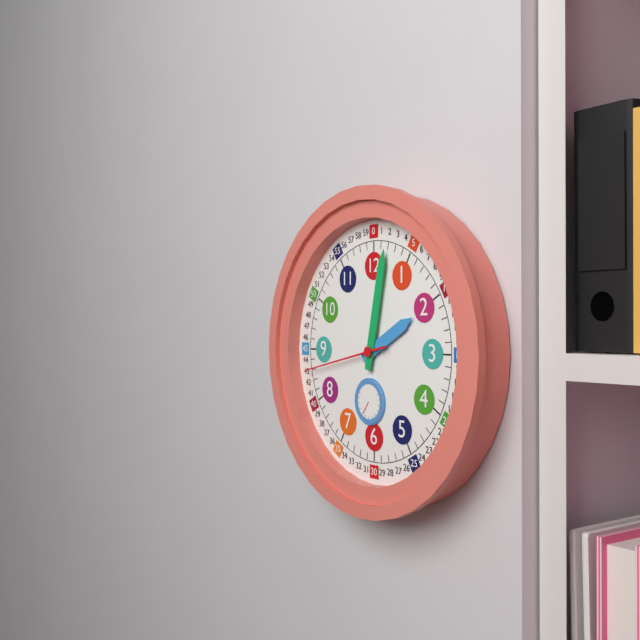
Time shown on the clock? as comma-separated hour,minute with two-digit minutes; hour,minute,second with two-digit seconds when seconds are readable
2,02,43
